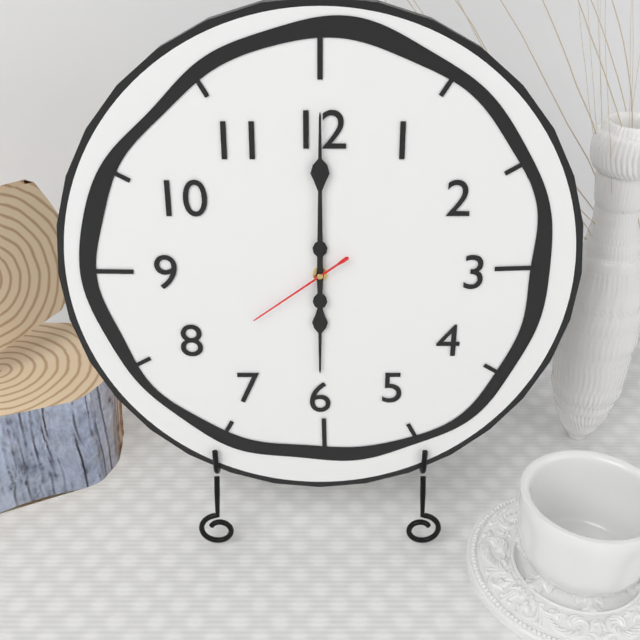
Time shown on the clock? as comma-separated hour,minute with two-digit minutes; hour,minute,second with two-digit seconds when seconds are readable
6,00,39
